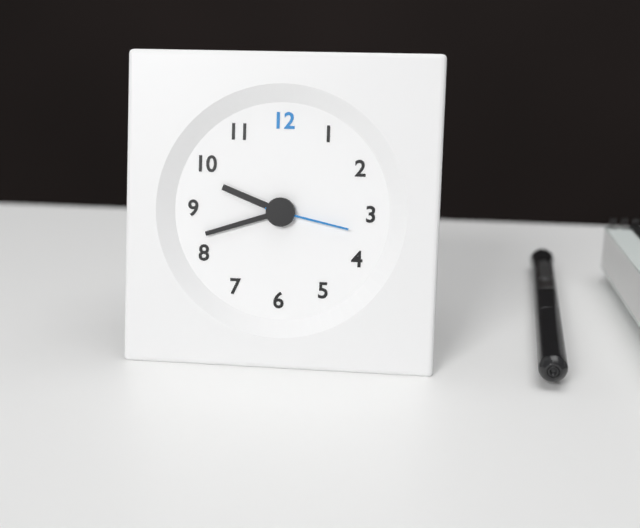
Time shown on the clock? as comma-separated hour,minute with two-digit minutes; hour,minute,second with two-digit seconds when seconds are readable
9,42,17
